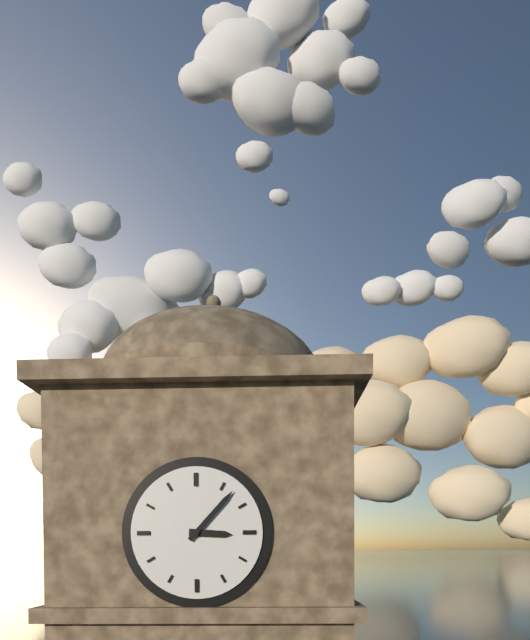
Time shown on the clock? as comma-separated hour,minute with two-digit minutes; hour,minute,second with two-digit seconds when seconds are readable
3,07
